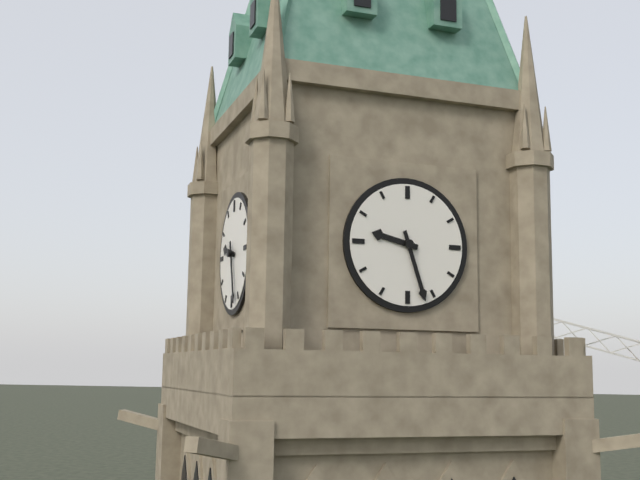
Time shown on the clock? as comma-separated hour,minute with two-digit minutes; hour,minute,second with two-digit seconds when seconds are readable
9,27
